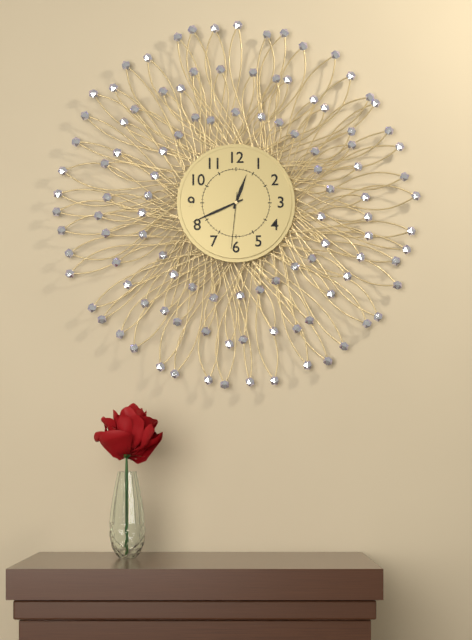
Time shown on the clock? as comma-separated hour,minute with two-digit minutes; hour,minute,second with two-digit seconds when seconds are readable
12,41,31
